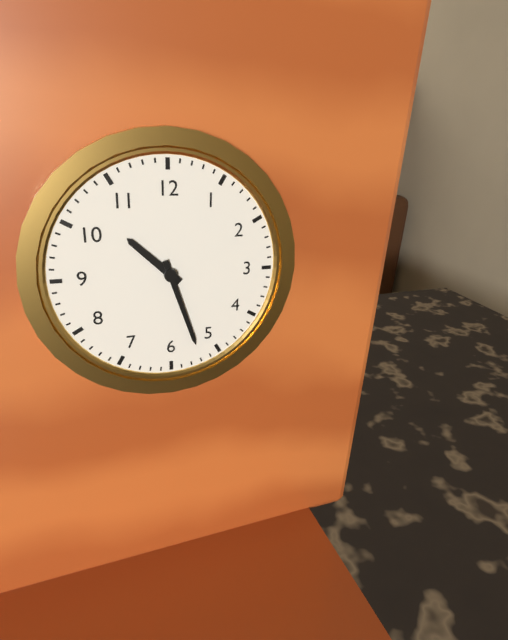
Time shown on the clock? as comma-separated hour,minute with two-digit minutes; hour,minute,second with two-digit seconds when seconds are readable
10,27
